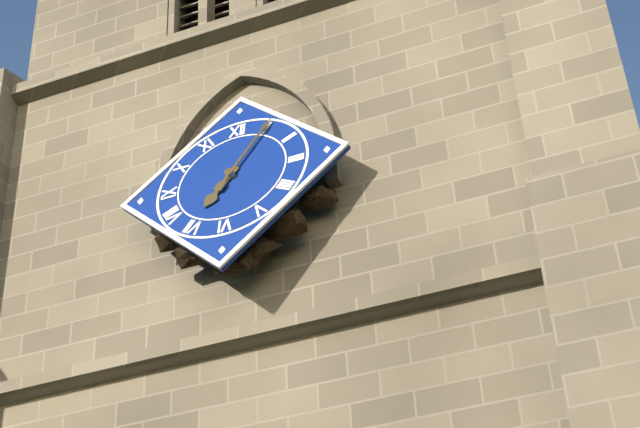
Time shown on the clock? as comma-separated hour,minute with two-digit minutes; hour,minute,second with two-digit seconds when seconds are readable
7,05
